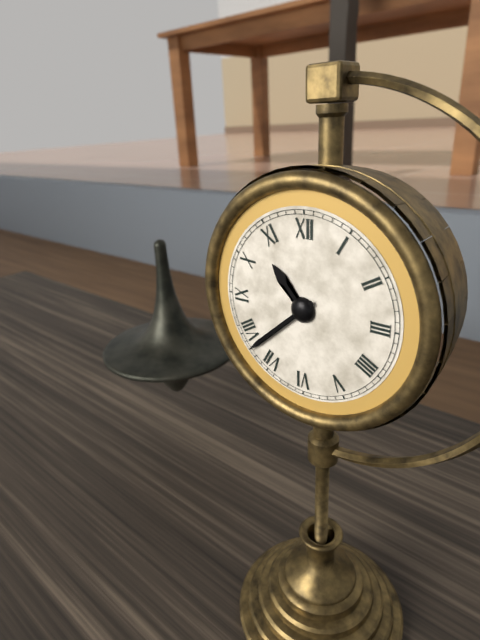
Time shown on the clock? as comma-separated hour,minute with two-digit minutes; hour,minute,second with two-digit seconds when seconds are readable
10,38
